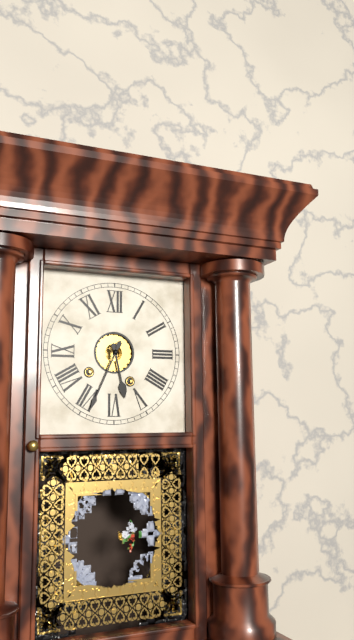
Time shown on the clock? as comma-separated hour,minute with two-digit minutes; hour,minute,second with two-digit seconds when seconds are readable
5,34
